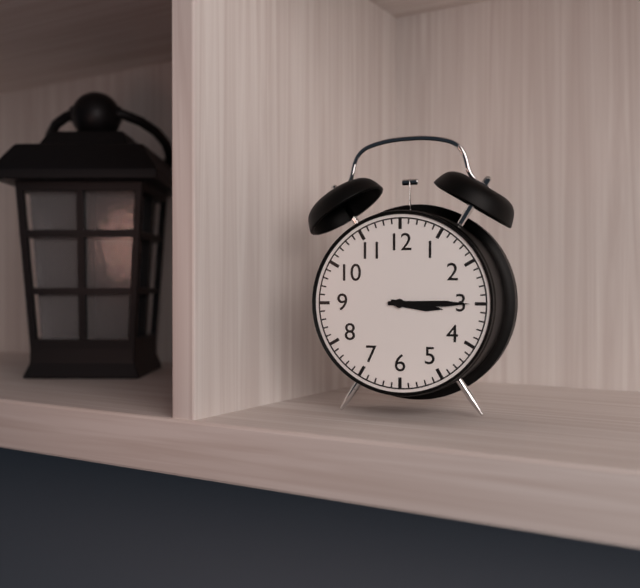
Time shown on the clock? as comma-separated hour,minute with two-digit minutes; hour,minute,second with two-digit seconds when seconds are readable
3,15
